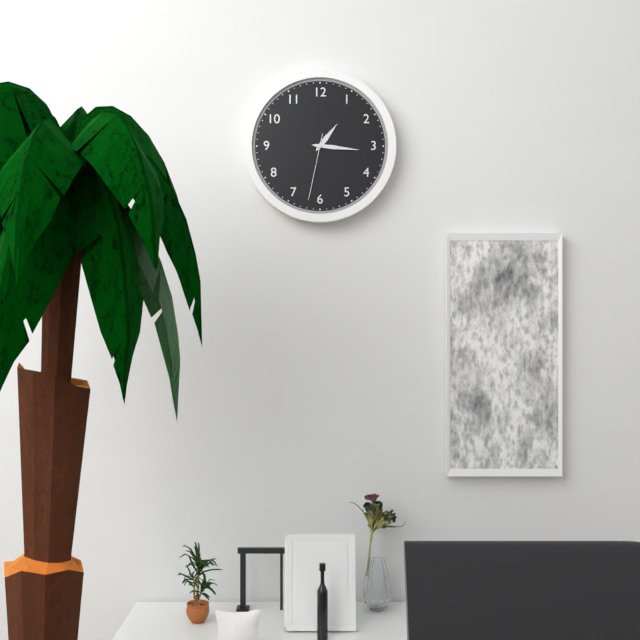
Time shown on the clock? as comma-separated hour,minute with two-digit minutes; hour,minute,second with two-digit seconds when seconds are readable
1,16,32
